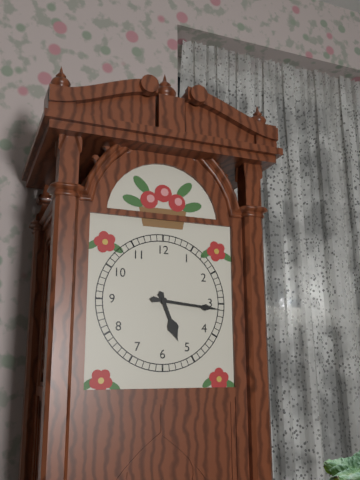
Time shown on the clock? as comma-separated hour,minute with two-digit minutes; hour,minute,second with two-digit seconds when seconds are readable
5,16
